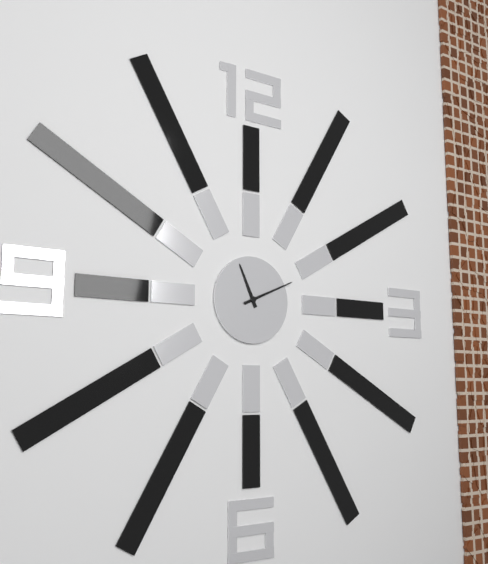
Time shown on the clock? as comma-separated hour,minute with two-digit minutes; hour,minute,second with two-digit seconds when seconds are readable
11,11
